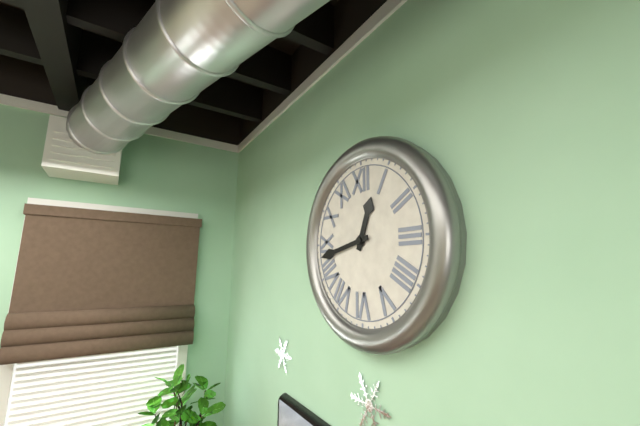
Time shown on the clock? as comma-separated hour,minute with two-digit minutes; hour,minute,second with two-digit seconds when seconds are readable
12,43
